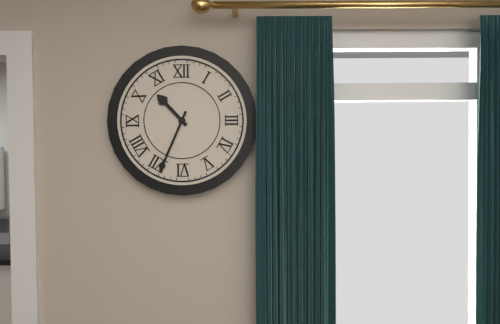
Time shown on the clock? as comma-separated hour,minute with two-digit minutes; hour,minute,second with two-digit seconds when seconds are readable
10,34
